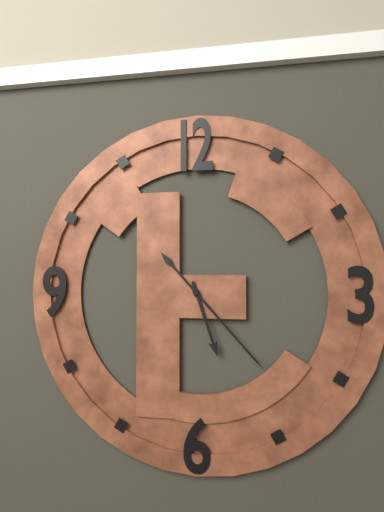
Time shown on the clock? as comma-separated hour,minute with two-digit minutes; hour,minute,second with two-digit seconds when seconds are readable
5,23
